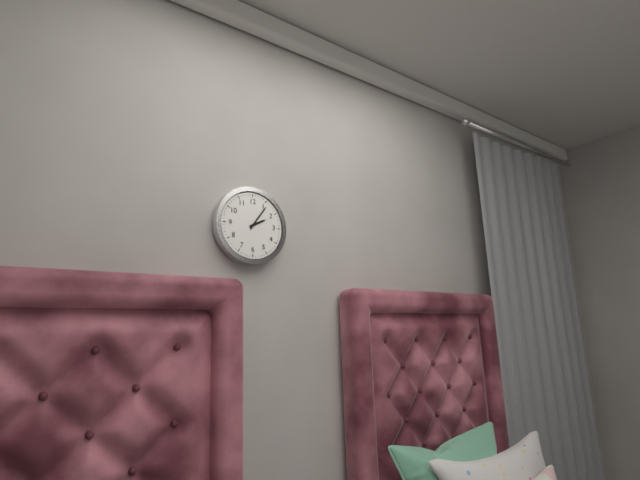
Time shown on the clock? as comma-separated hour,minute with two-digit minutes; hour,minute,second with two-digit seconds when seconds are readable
2,06
